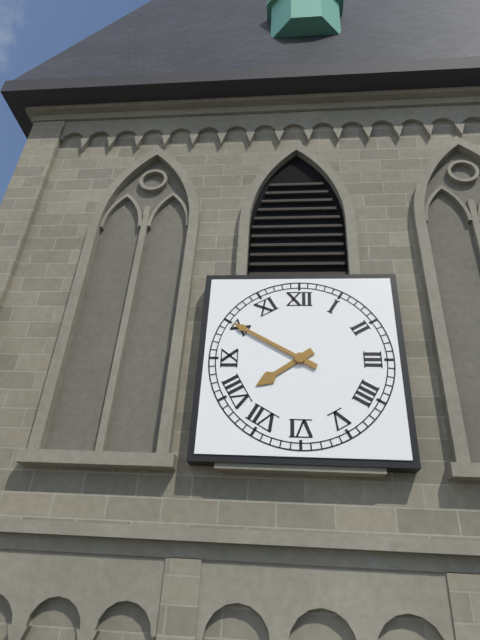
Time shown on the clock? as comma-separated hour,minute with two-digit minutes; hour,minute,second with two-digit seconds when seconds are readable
7,50
